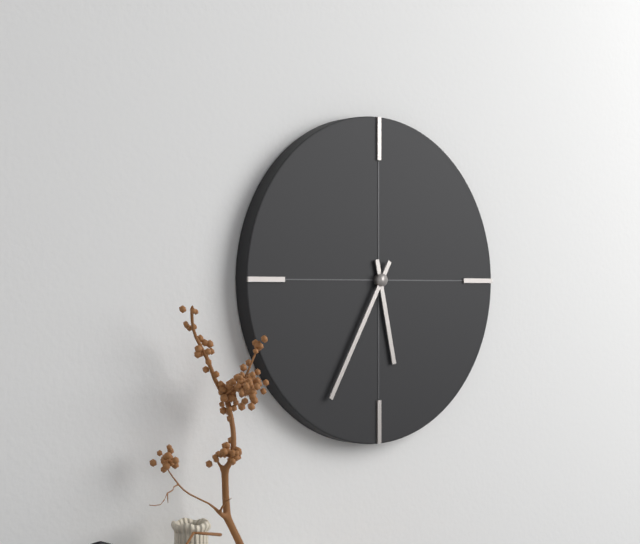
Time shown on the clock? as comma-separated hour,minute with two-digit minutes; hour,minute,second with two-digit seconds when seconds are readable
5,35
